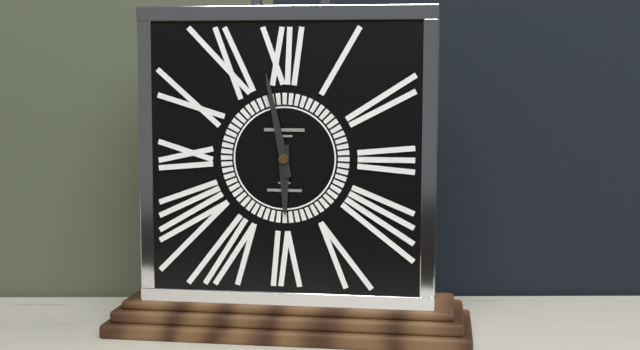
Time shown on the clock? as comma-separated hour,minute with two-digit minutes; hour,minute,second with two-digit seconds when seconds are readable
5,58
